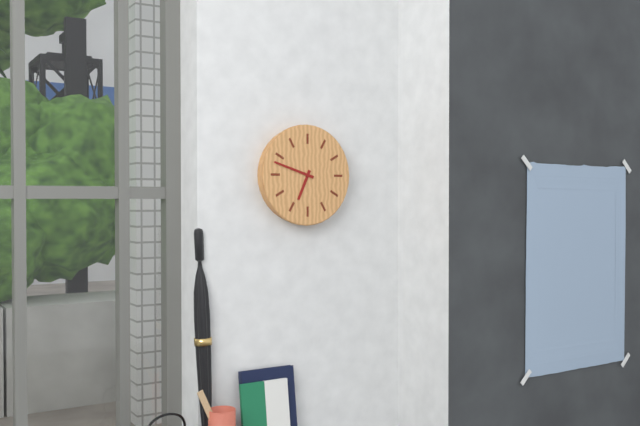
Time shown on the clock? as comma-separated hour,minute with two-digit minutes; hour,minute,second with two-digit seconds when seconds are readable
6,48
